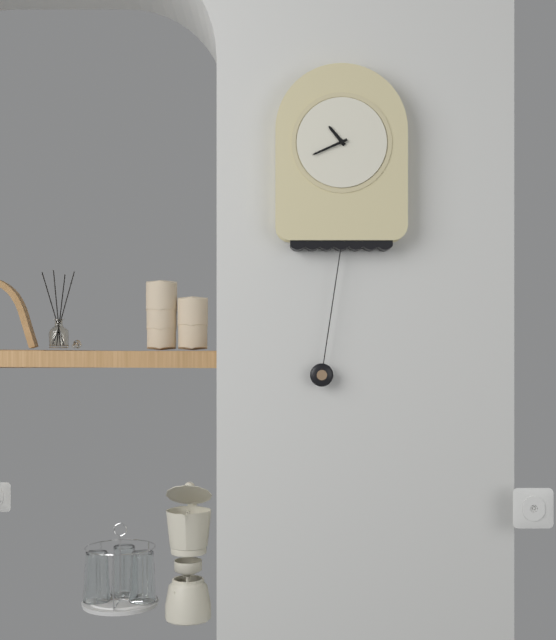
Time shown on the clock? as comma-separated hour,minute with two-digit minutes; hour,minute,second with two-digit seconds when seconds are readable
10,41
